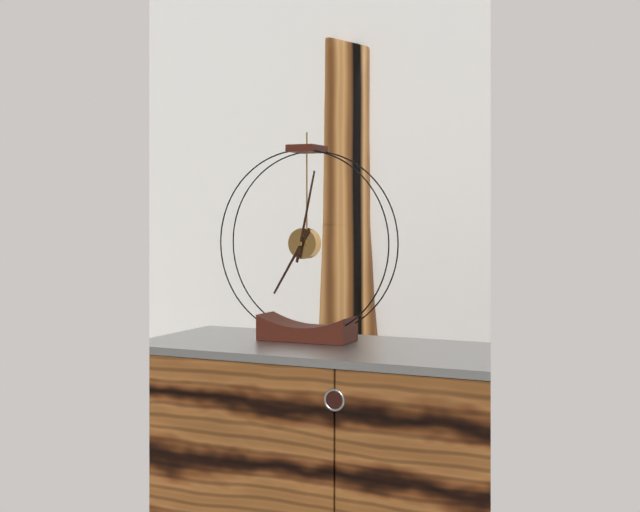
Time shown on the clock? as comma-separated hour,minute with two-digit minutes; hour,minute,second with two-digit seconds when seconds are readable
7,02
